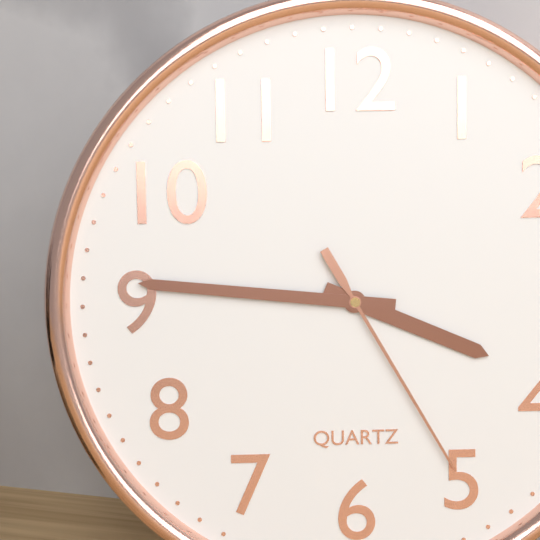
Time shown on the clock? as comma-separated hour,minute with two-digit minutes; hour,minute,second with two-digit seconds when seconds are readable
3,46,25
